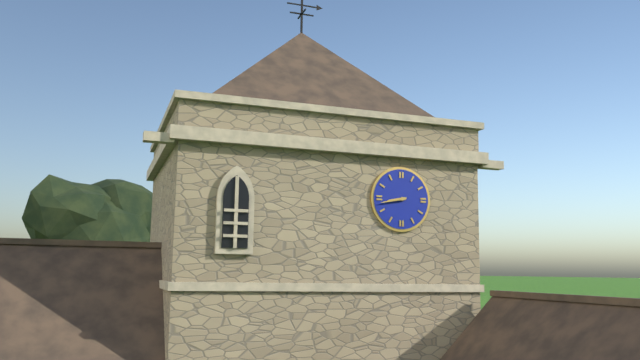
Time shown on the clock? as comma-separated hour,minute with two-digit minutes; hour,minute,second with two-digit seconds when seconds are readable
8,43
